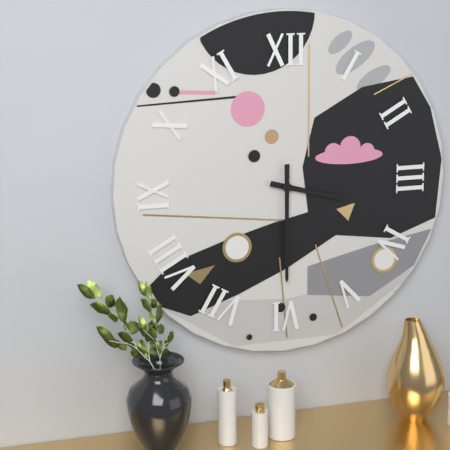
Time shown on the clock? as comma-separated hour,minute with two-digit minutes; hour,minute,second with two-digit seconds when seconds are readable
3,30
